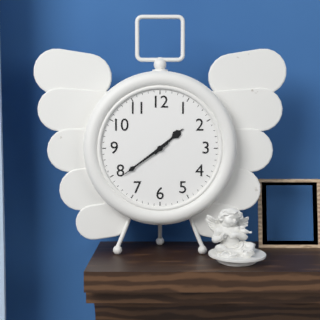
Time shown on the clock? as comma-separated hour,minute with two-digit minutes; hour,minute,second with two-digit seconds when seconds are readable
1,39
